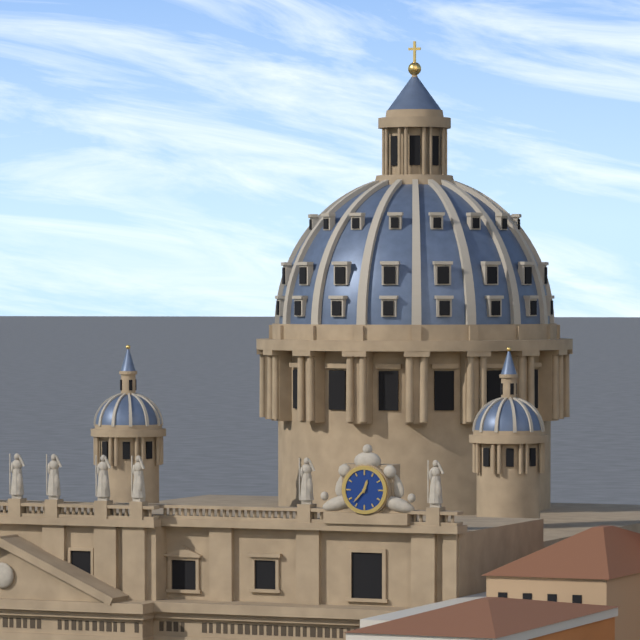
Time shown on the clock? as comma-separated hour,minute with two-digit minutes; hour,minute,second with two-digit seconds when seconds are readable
12,37
